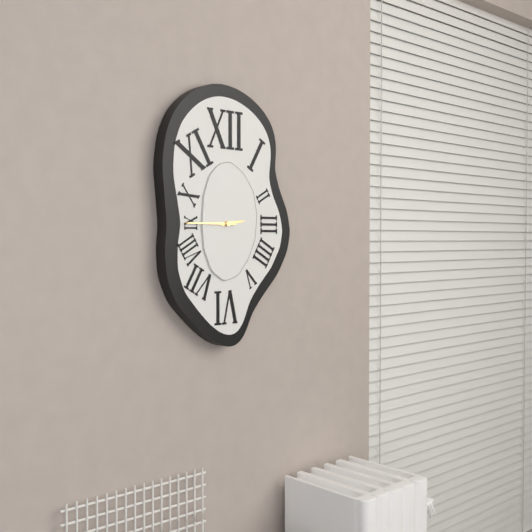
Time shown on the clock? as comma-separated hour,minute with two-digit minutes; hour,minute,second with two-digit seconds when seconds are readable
2,45
